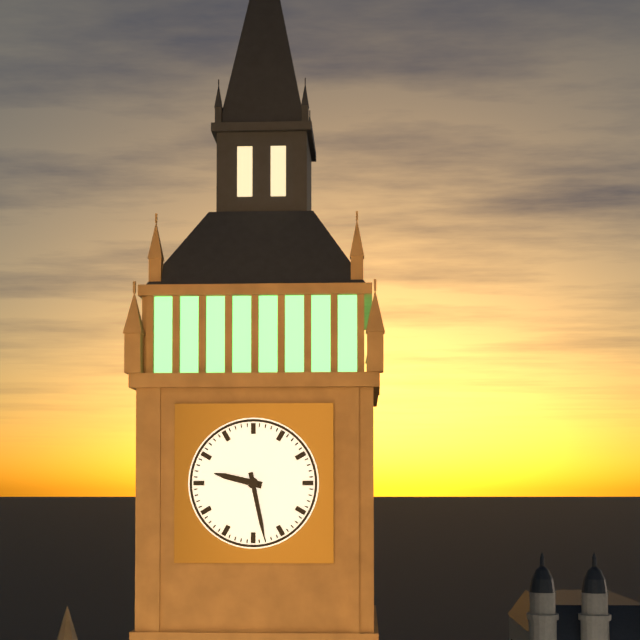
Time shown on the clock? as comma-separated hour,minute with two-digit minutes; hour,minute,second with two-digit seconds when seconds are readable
9,28
